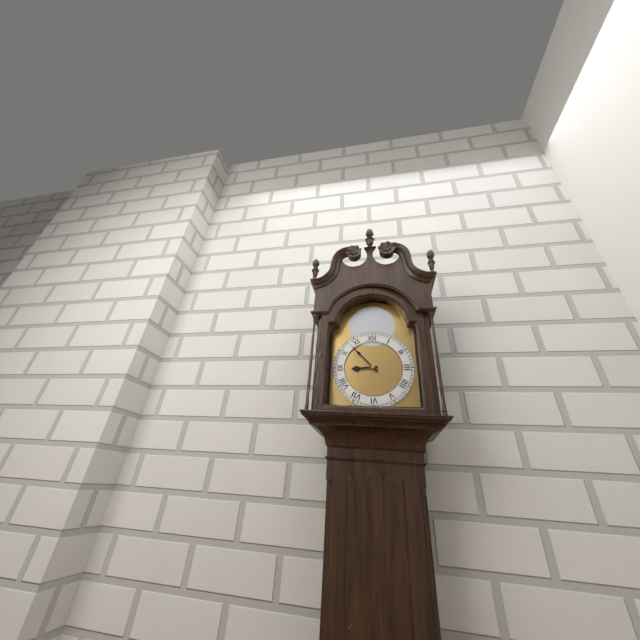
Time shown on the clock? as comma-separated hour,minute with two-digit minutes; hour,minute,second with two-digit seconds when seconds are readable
8,53
